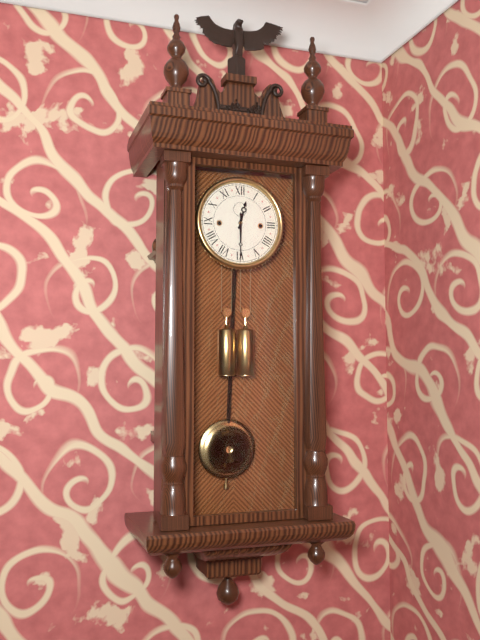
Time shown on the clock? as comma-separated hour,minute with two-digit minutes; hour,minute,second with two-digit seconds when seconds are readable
12,30
